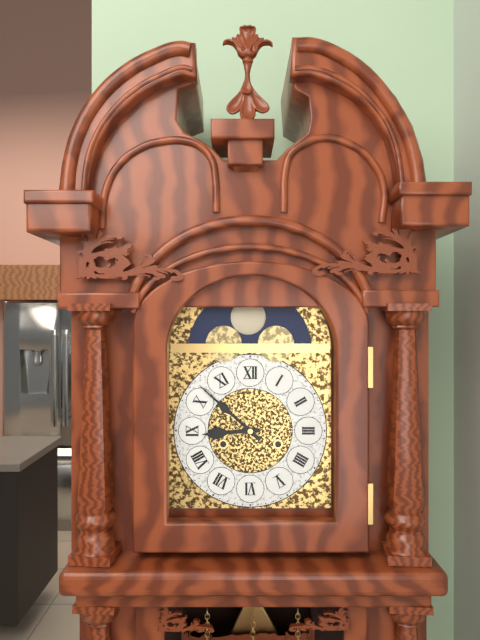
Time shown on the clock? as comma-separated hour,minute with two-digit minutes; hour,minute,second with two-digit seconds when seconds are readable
8,52
